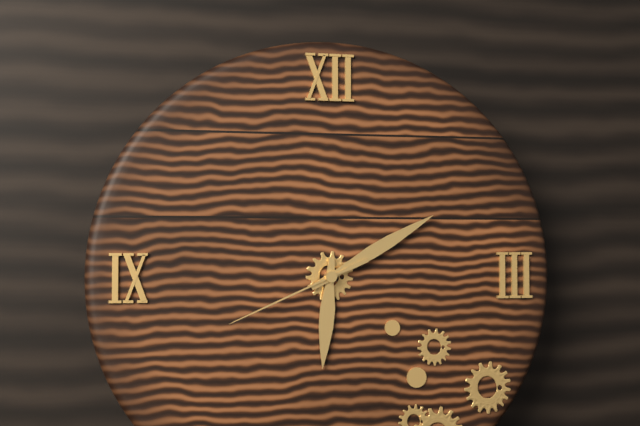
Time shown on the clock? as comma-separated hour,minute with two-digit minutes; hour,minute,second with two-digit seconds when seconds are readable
6,10,41
